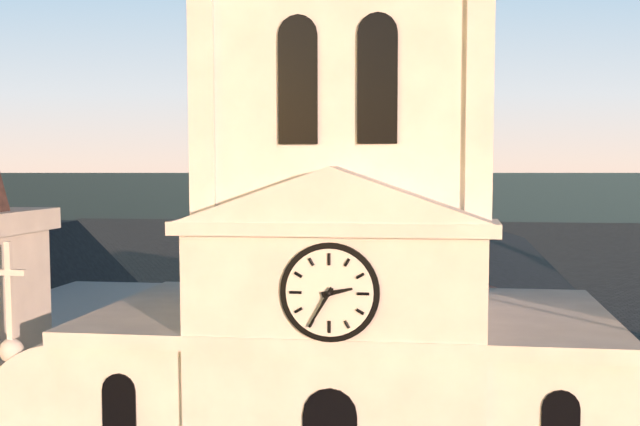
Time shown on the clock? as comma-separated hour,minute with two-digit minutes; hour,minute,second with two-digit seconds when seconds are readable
2,35
